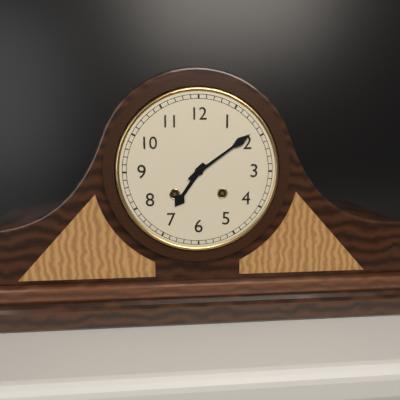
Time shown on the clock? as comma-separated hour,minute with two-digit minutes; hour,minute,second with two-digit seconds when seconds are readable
7,09
